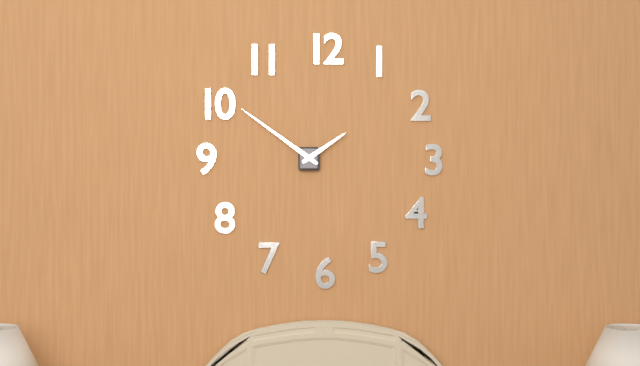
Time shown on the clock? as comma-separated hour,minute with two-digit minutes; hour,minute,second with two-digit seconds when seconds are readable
1,51
